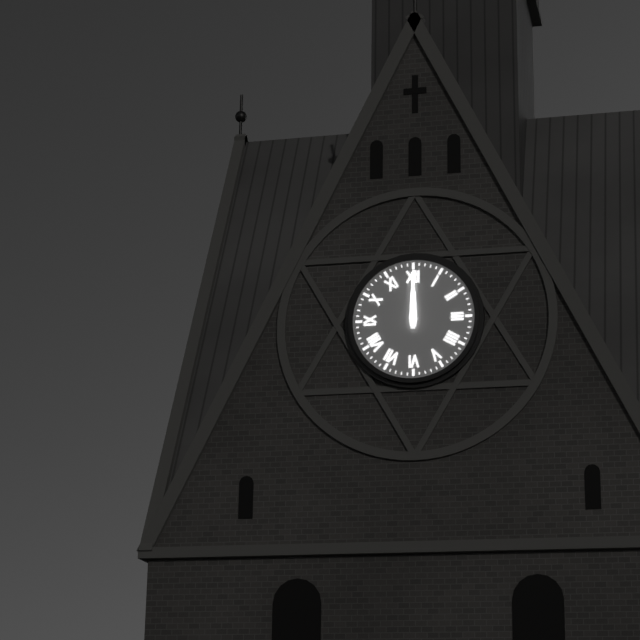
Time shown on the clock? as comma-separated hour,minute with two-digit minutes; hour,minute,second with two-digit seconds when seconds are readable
12,00
